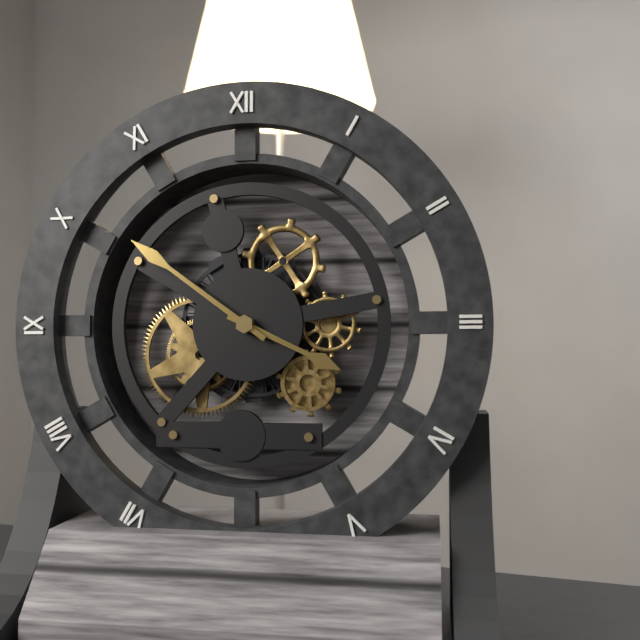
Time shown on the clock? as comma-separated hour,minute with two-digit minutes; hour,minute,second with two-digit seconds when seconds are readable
3,51
